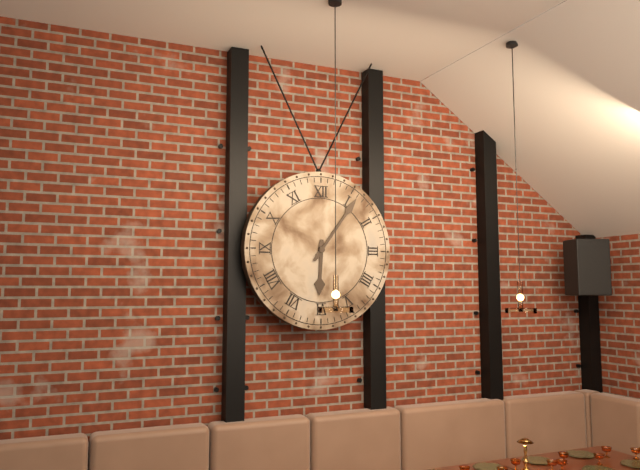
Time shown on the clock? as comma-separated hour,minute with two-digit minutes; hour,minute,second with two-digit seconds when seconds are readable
6,06
